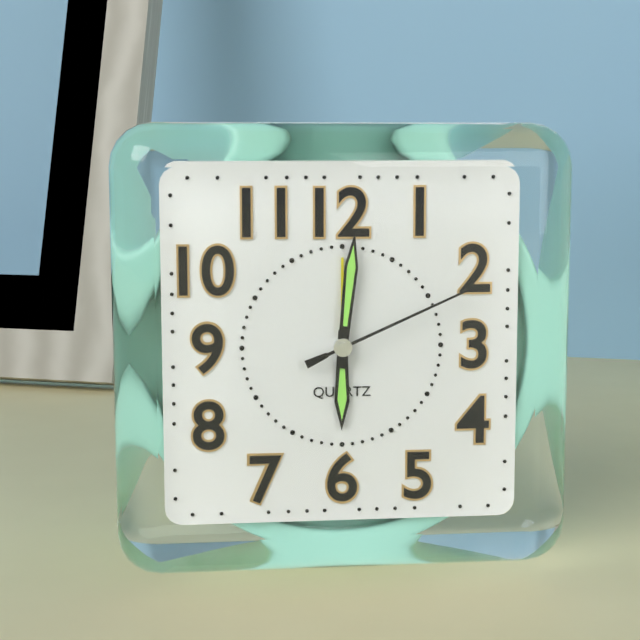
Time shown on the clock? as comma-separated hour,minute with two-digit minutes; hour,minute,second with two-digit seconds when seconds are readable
6,01,11
